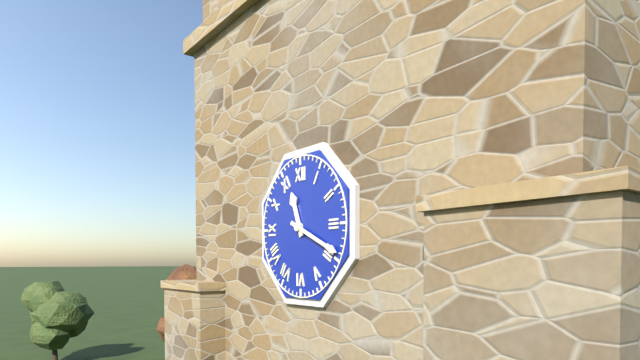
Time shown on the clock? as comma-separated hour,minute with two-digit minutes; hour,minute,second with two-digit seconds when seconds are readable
11,19
